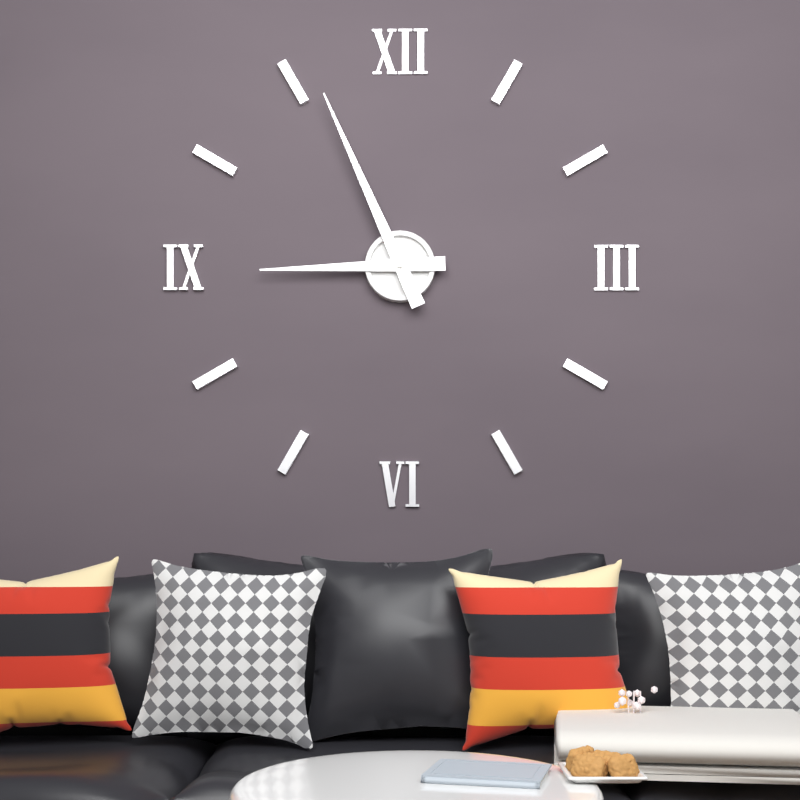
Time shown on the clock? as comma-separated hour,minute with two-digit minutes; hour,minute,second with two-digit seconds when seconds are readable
8,56
